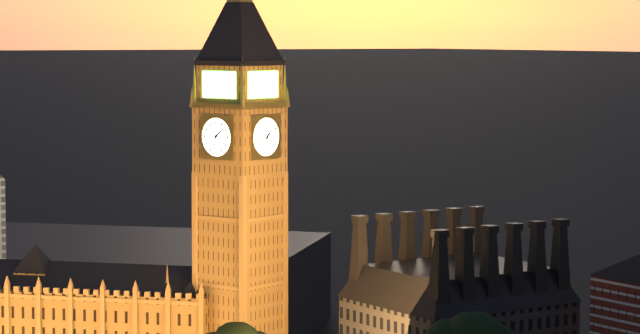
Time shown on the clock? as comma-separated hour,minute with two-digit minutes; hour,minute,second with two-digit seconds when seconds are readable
1,33
